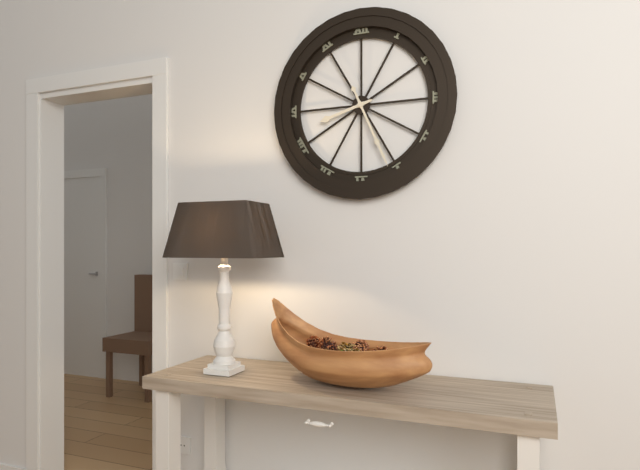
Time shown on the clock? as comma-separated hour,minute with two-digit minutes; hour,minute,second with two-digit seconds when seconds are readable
8,26
